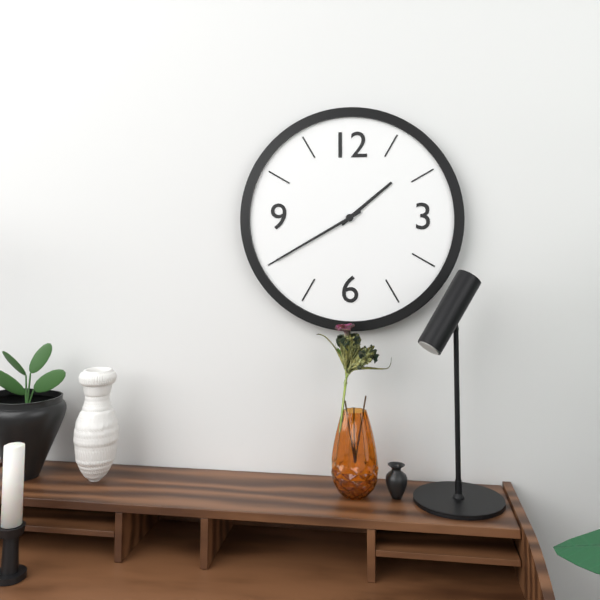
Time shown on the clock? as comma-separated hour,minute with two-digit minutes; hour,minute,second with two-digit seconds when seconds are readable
1,40
